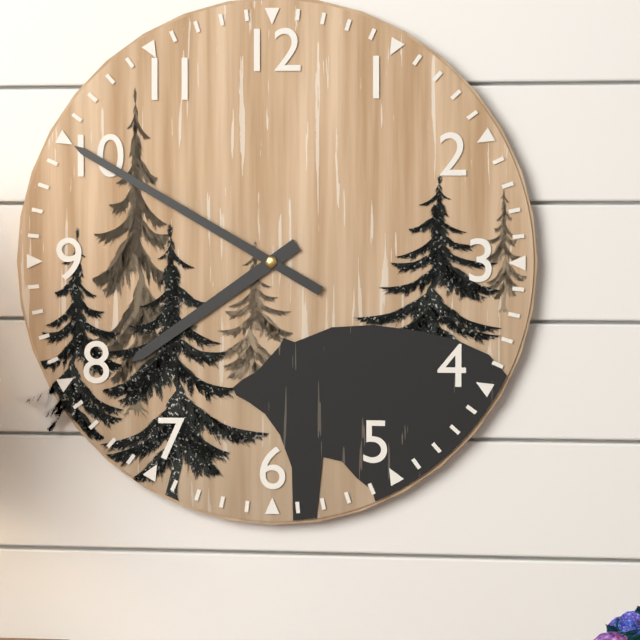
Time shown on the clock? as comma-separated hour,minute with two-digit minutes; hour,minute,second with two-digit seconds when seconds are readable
7,50
